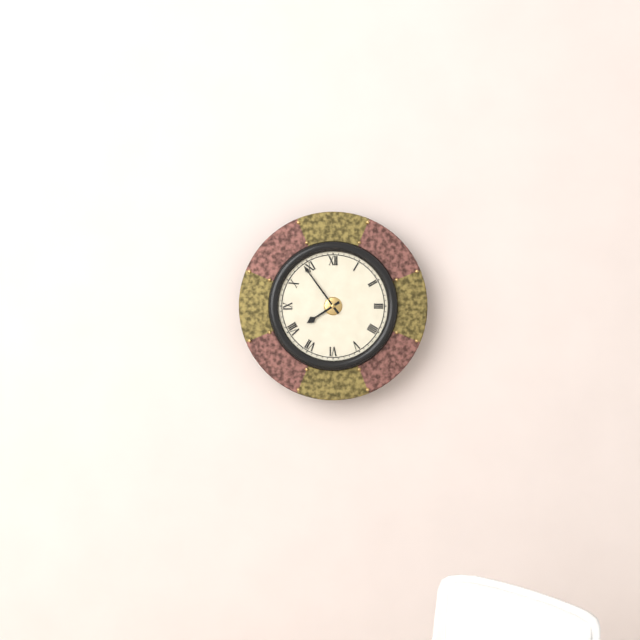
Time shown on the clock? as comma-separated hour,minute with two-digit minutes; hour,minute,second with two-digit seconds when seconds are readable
7,54
